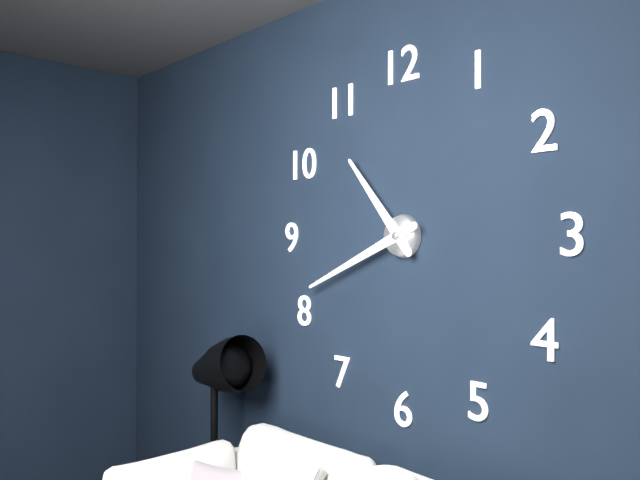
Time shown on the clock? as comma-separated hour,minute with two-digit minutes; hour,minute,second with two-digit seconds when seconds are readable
10,41
